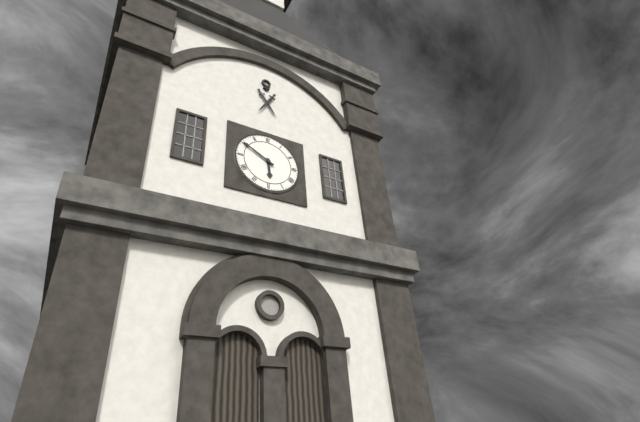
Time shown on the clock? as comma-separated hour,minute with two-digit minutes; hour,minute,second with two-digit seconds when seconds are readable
5,50
